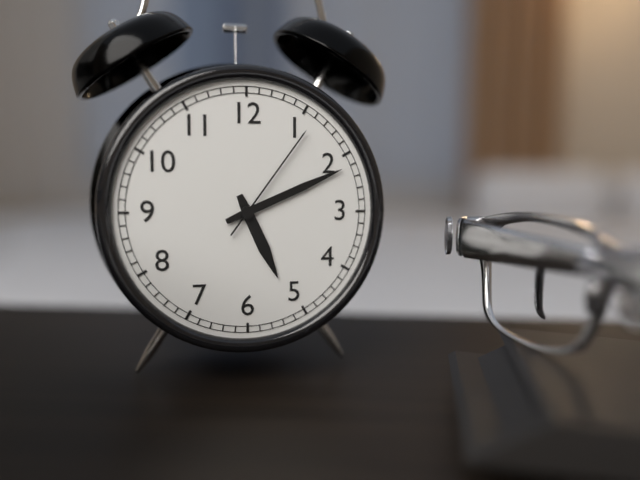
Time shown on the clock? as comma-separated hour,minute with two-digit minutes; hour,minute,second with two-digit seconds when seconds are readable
5,11,06
